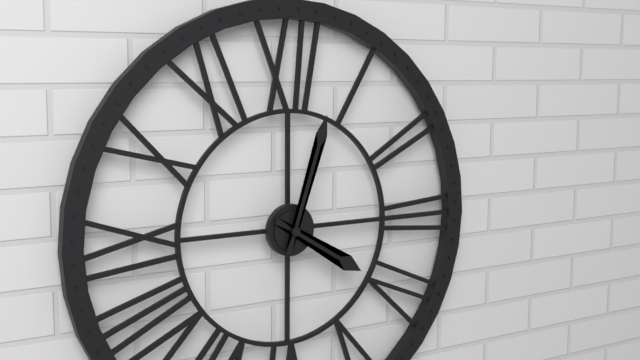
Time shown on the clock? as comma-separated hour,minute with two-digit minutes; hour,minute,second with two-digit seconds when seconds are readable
4,03
